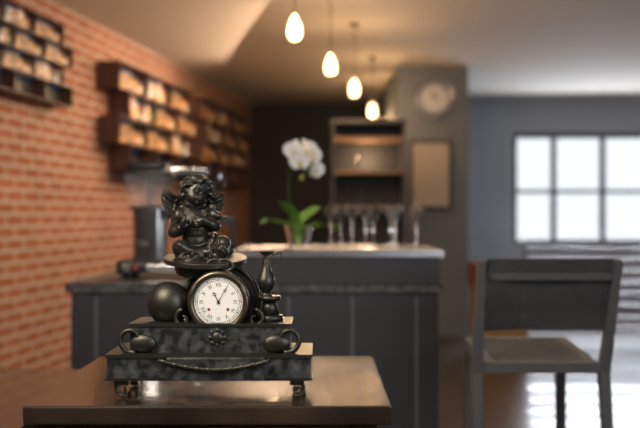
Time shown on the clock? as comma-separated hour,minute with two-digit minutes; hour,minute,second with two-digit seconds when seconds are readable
11,05
